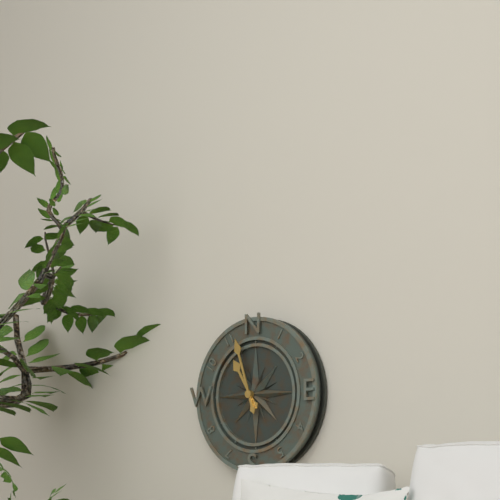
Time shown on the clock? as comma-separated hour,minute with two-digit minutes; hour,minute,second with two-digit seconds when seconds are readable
10,57
